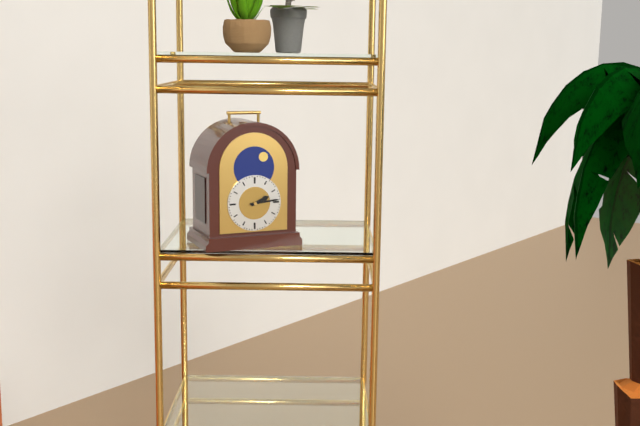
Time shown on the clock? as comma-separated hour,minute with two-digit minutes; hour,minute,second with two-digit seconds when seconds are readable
2,14
